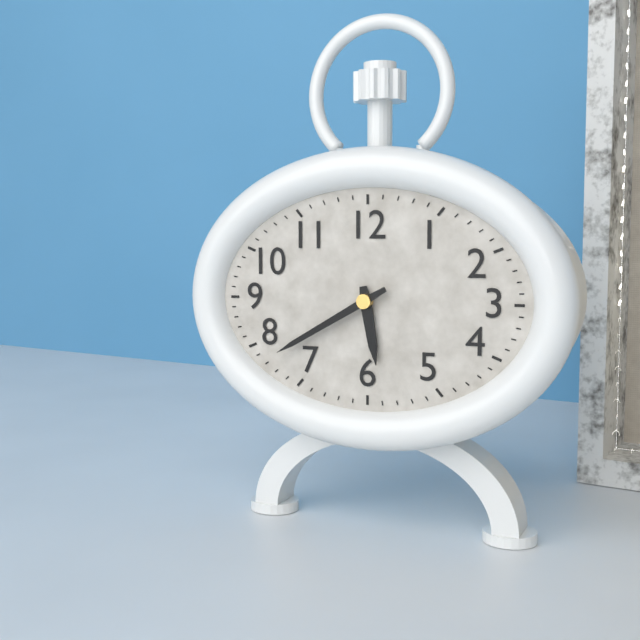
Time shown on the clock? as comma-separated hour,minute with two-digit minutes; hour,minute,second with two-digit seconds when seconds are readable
5,40
